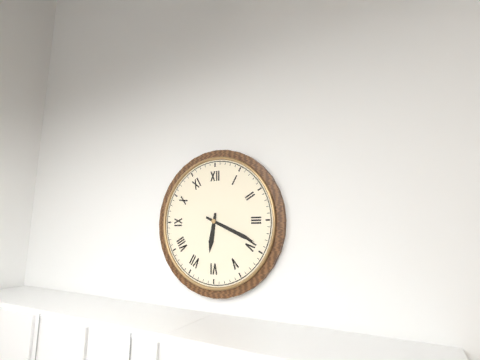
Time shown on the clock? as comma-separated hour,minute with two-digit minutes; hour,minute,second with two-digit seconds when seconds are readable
6,19
